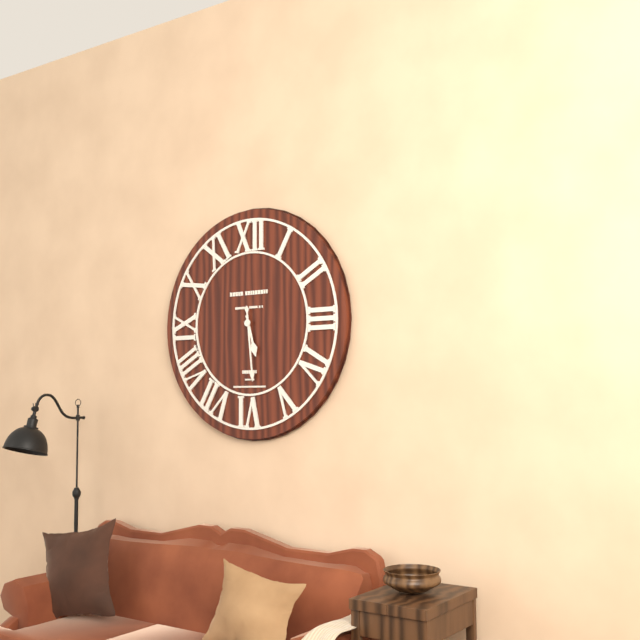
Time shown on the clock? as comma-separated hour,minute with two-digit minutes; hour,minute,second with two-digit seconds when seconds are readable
5,29
